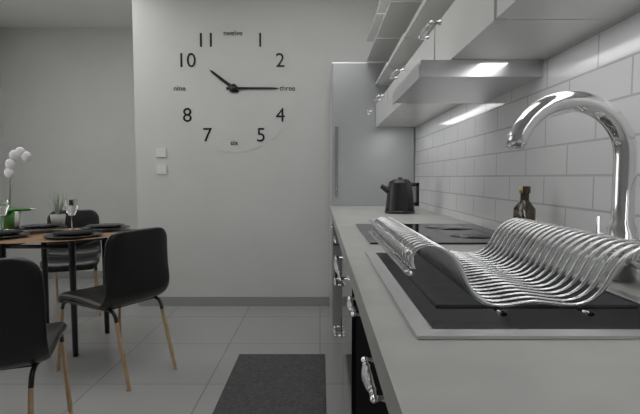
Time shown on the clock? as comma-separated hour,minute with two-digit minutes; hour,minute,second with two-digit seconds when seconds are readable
10,15
